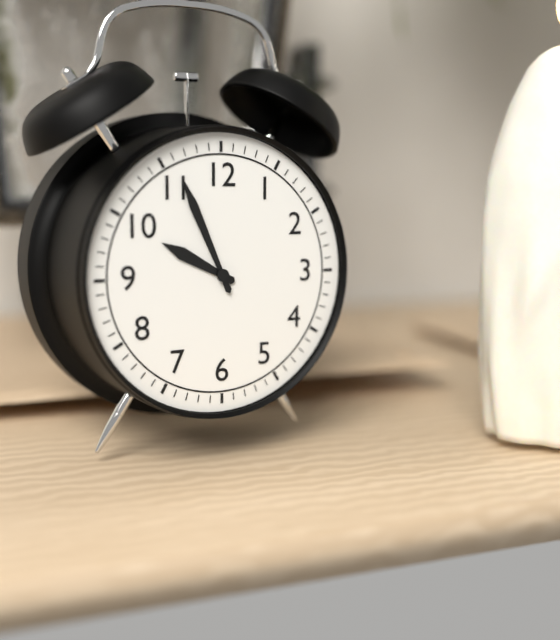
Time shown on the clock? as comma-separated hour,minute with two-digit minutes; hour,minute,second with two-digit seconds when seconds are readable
9,56
